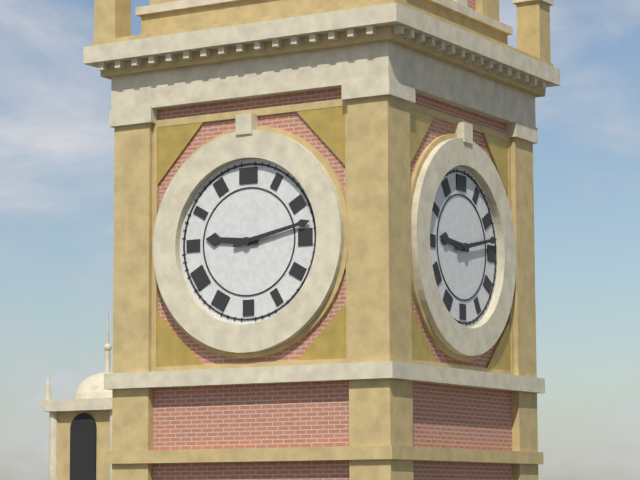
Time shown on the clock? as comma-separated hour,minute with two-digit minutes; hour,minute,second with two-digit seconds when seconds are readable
9,13
